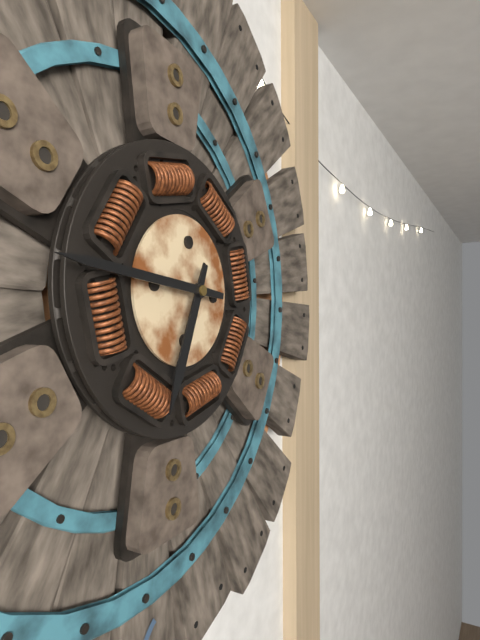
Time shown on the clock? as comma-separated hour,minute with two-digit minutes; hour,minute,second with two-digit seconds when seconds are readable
6,46
